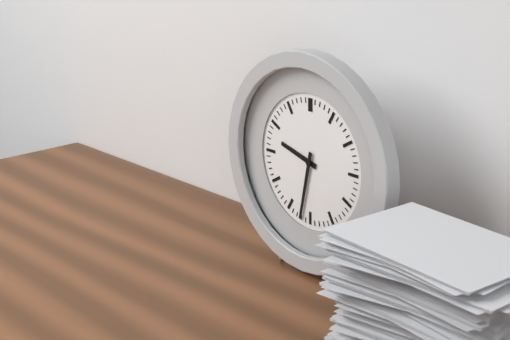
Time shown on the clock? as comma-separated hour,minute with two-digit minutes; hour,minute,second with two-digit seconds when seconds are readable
9,32
